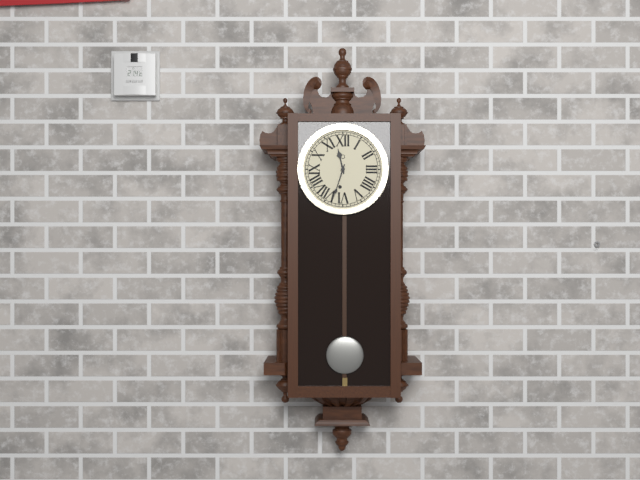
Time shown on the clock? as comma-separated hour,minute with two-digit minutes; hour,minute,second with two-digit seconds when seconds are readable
11,33
